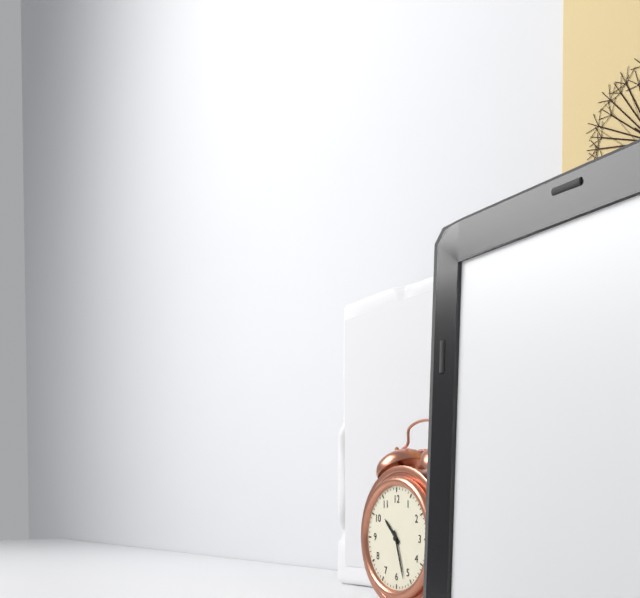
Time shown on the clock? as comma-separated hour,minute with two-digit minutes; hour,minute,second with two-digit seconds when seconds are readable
10,27
